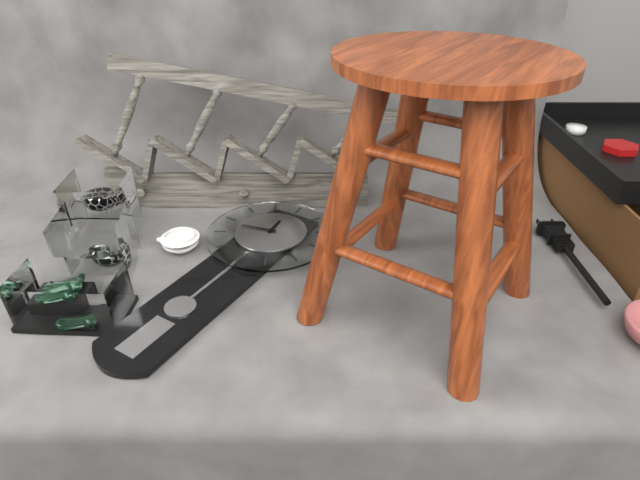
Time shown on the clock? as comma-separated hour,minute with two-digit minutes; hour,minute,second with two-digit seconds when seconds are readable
11,43
